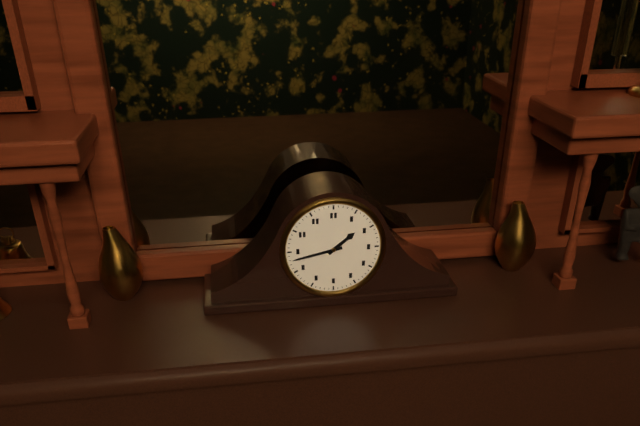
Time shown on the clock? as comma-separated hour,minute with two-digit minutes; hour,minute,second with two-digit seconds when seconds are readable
1,43
